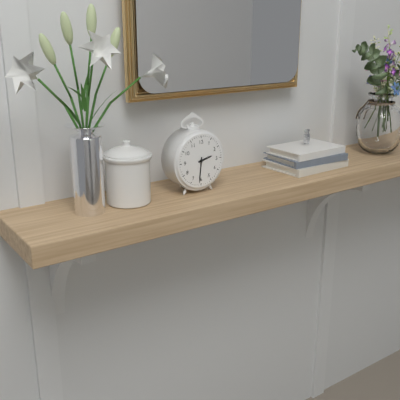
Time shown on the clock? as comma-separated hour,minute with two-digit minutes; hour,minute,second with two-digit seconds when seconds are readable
2,31
